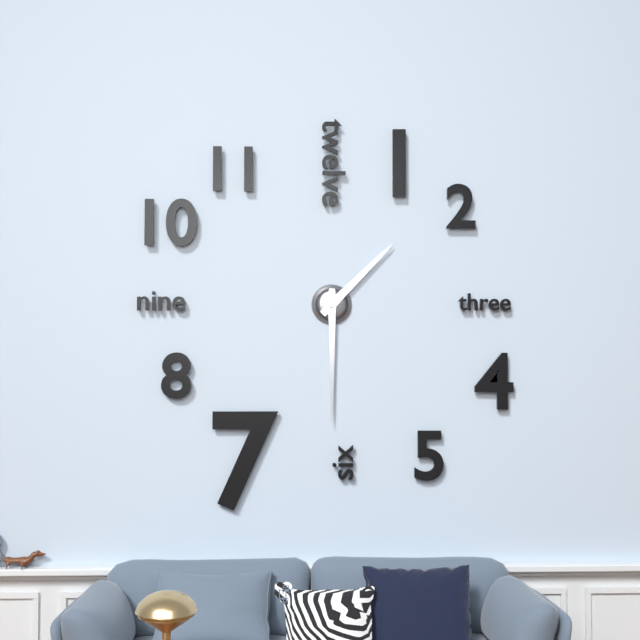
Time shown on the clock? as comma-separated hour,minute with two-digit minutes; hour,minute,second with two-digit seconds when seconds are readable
1,30
